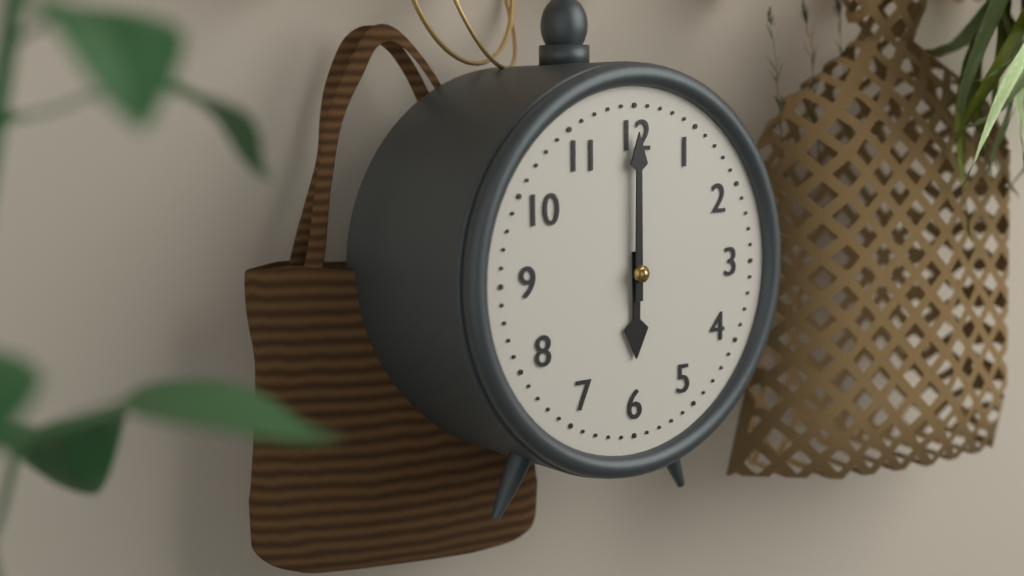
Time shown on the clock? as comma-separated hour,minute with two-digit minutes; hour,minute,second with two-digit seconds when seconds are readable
6,00
